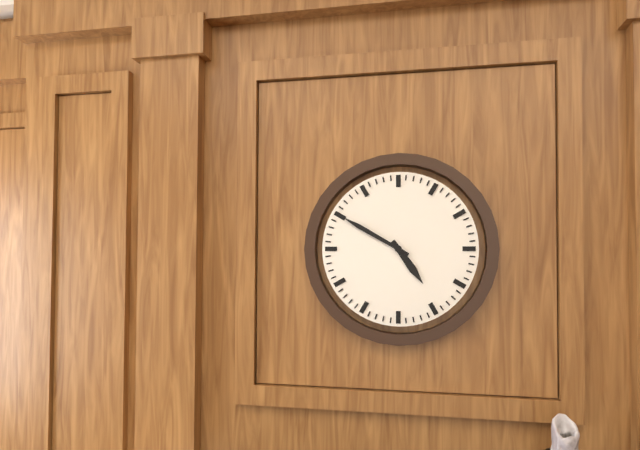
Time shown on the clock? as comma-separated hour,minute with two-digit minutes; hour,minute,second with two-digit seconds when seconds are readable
4,50
